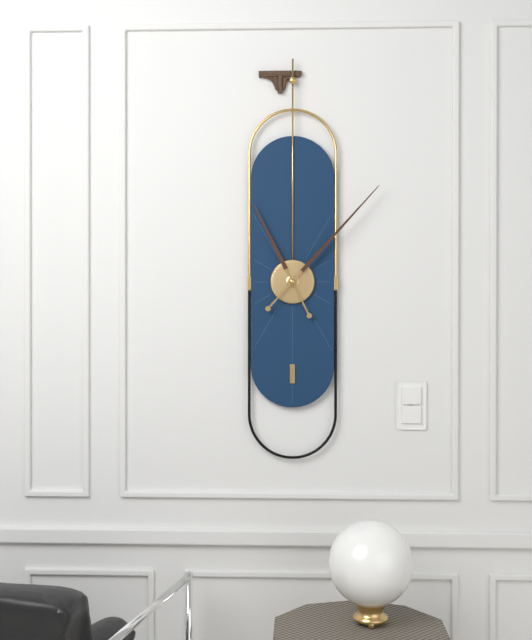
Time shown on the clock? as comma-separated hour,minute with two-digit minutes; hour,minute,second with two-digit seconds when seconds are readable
11,07
